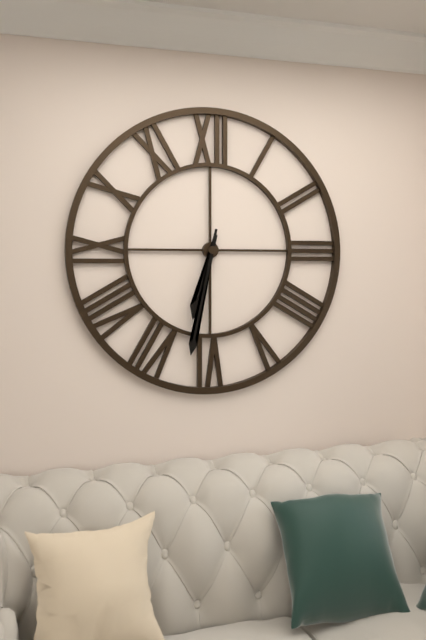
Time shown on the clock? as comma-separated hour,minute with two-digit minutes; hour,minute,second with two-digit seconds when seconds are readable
6,32
